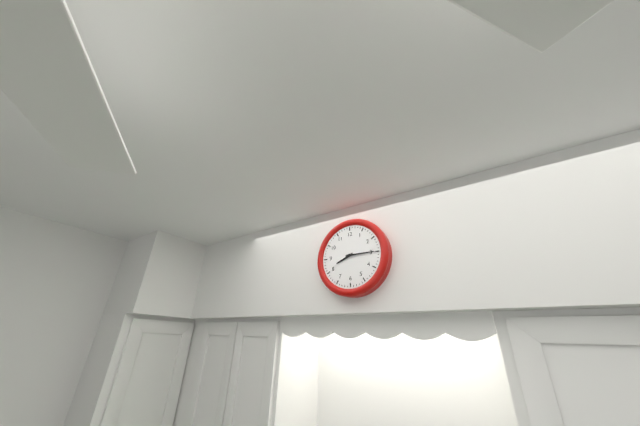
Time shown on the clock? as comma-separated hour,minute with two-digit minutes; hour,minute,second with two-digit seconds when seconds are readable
8,15
